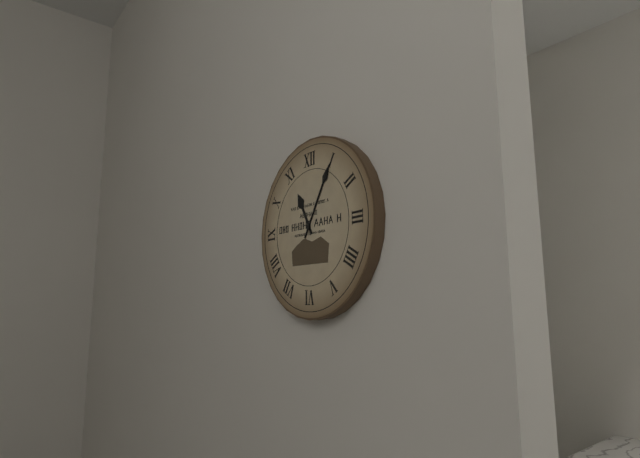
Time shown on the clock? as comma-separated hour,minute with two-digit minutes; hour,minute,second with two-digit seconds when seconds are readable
11,05
